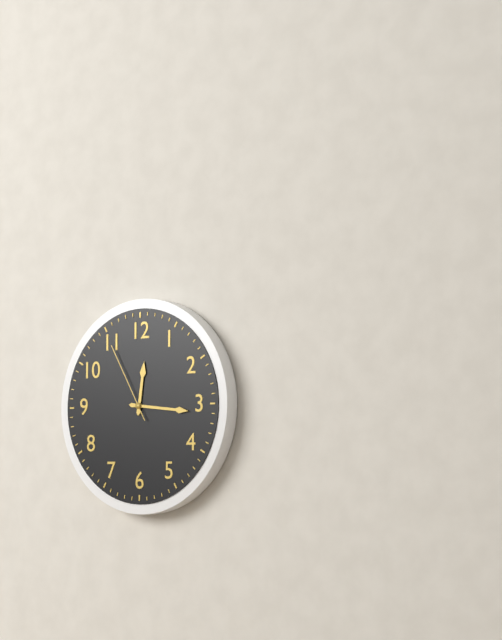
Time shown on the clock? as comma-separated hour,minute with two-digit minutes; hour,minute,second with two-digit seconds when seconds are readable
12,16,55
